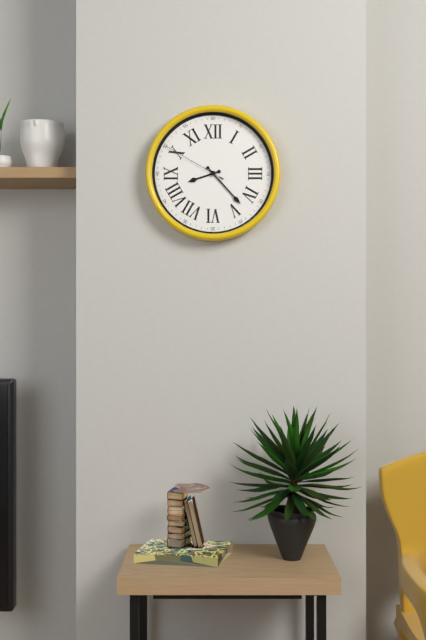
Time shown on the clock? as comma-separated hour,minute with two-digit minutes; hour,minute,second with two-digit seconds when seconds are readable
8,23,50
